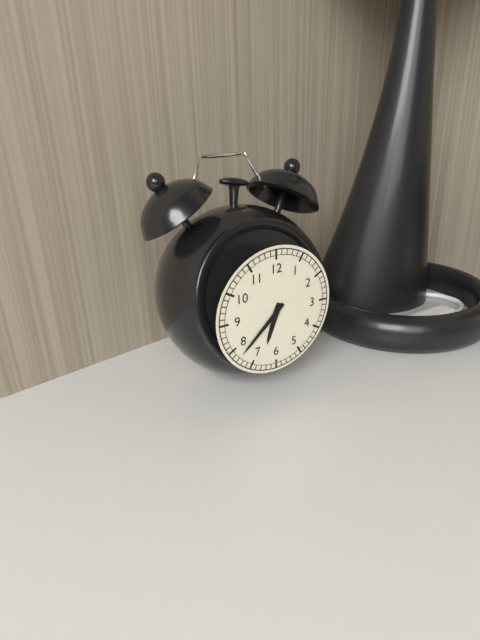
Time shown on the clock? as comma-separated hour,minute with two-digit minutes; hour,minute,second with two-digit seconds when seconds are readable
6,38
